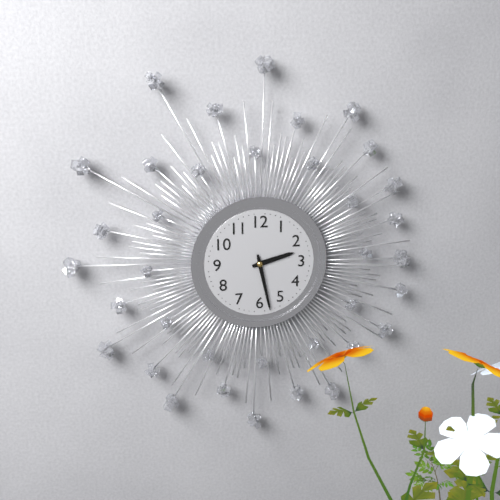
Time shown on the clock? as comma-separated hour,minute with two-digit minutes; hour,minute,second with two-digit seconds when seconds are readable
2,28
